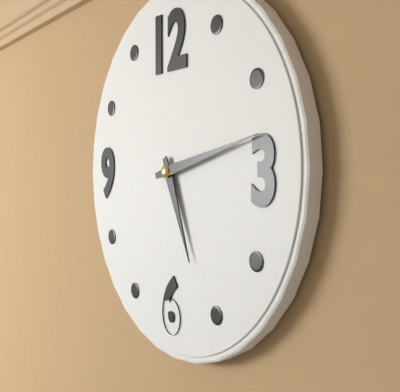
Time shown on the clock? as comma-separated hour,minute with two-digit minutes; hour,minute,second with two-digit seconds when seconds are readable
5,13
